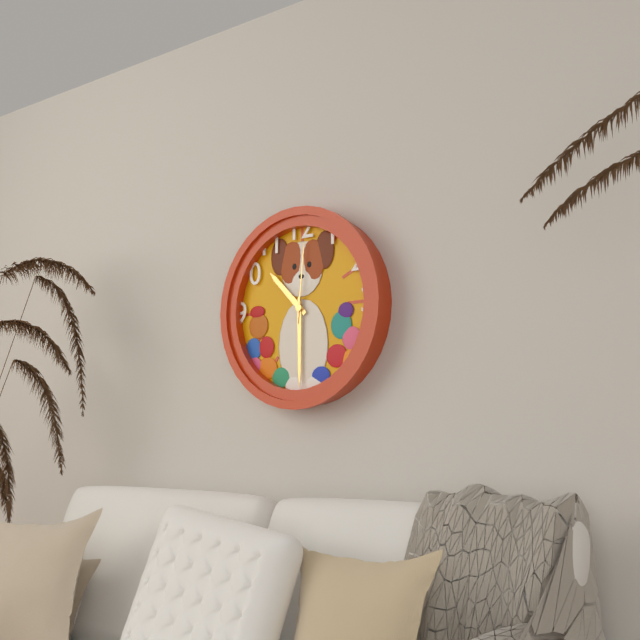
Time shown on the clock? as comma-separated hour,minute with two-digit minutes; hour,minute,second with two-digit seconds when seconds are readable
10,30,01
